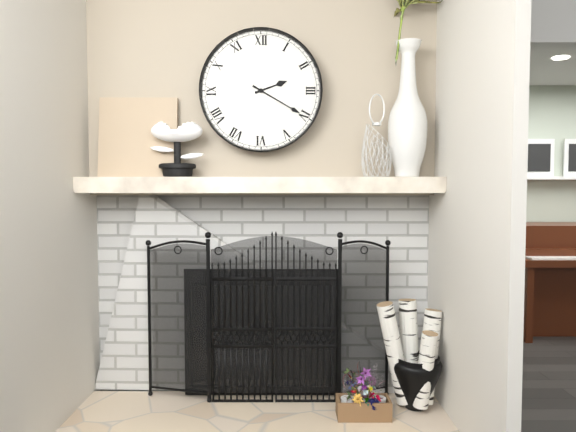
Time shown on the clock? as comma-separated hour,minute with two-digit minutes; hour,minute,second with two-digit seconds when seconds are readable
2,20
